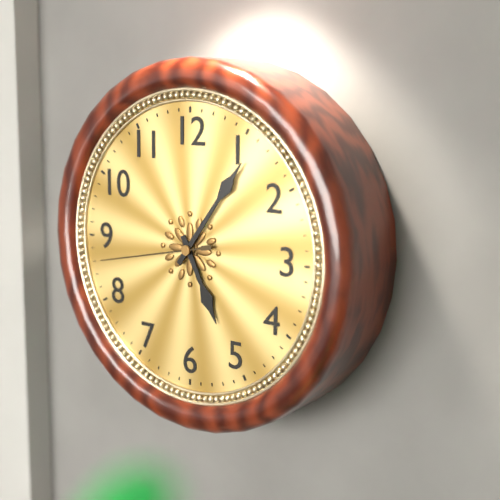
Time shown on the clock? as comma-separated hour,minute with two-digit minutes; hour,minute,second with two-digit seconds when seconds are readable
5,06,43
